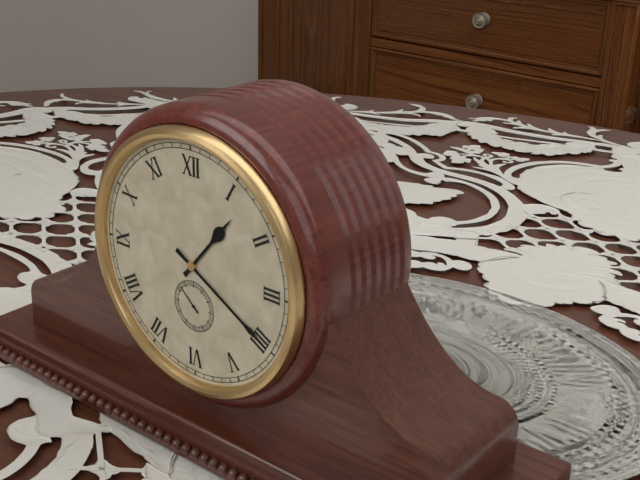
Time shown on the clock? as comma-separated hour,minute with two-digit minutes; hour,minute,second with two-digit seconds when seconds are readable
1,20,52
